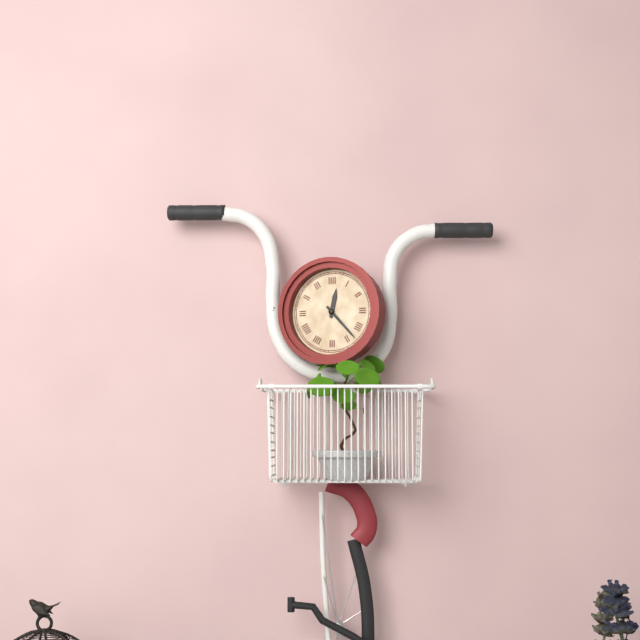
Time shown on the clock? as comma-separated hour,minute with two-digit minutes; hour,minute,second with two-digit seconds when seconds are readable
12,23
